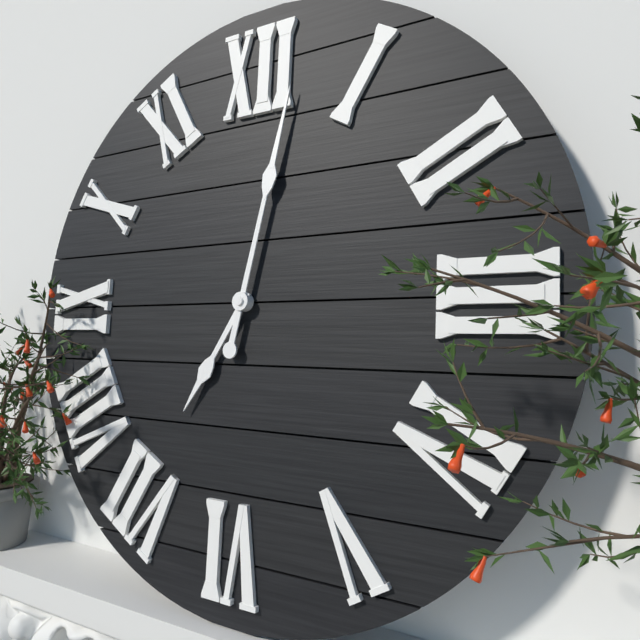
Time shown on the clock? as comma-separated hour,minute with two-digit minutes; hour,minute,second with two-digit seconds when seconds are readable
7,02
